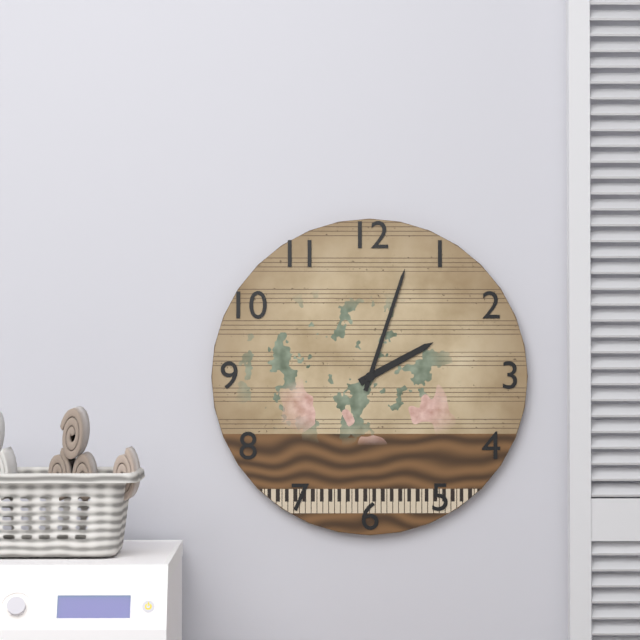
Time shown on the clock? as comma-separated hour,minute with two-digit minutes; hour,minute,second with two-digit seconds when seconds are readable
2,03
